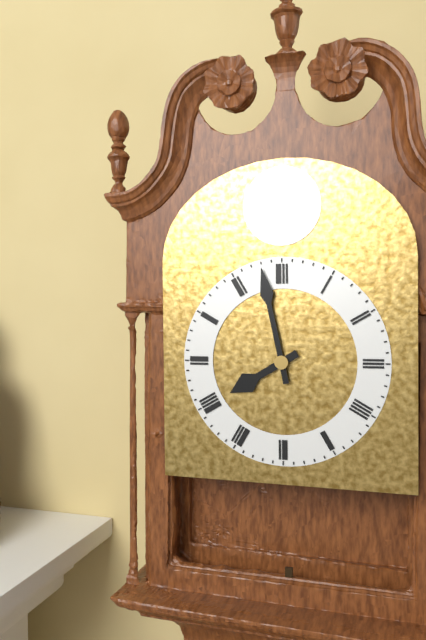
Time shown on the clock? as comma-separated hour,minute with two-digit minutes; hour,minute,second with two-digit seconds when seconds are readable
7,58
